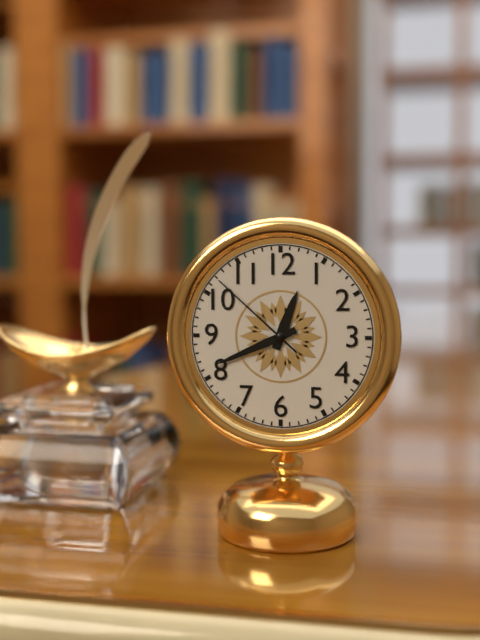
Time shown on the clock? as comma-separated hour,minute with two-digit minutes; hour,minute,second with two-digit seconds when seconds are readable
12,41,52
